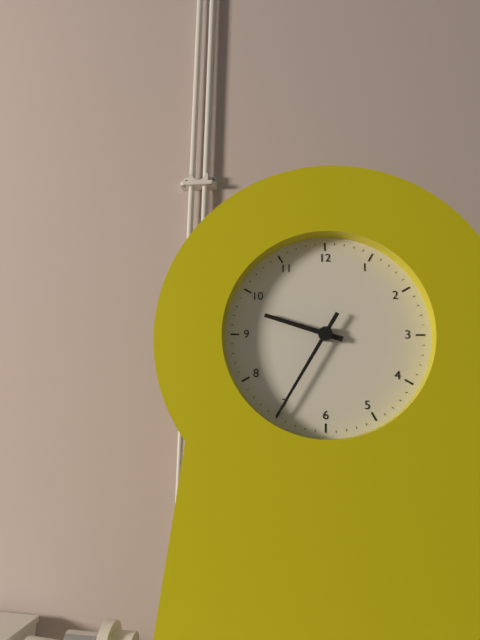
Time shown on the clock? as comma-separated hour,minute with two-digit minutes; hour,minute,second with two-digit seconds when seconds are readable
9,35
